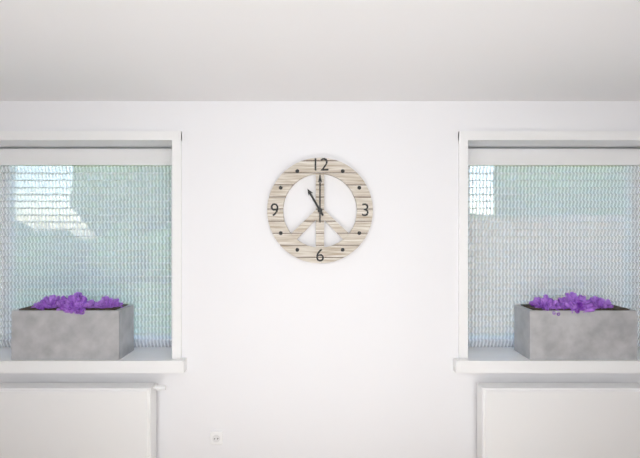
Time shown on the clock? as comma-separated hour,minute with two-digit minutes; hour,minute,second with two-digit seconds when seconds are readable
11,00
